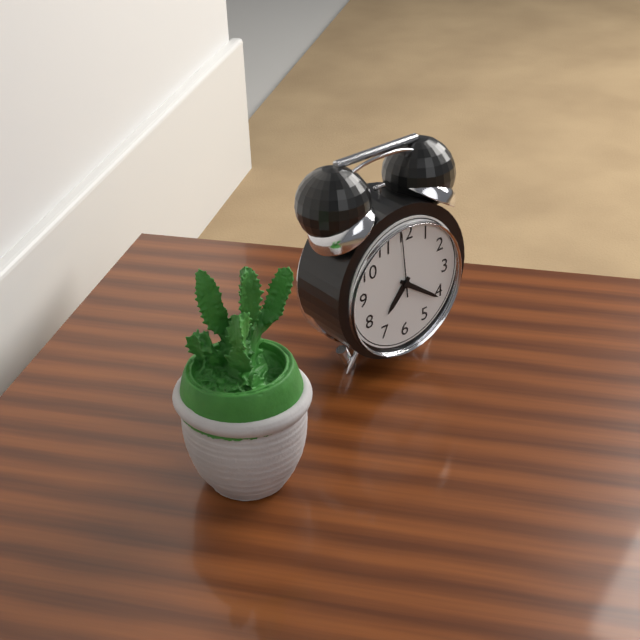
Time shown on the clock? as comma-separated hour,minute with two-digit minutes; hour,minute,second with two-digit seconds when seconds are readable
7,21,59
